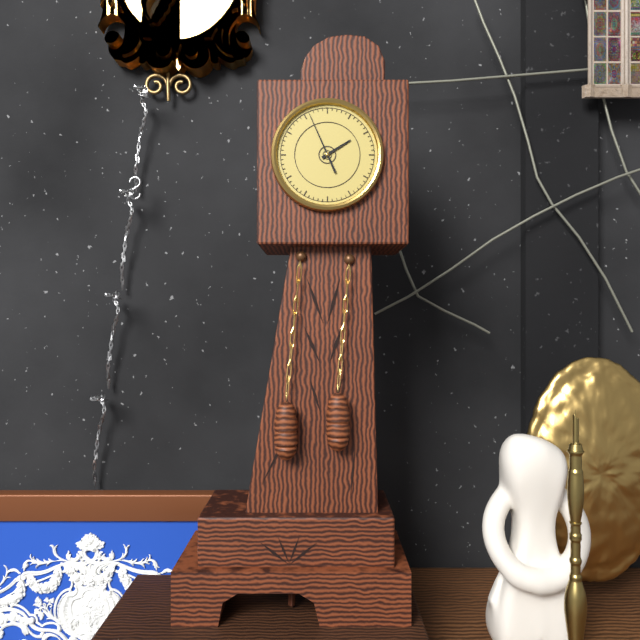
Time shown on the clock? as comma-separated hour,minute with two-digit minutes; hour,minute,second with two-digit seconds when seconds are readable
1,56
